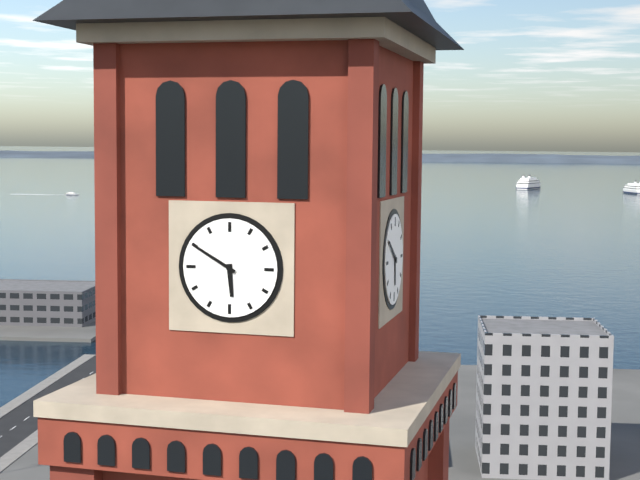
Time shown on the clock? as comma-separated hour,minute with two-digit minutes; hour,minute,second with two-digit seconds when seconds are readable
5,50
